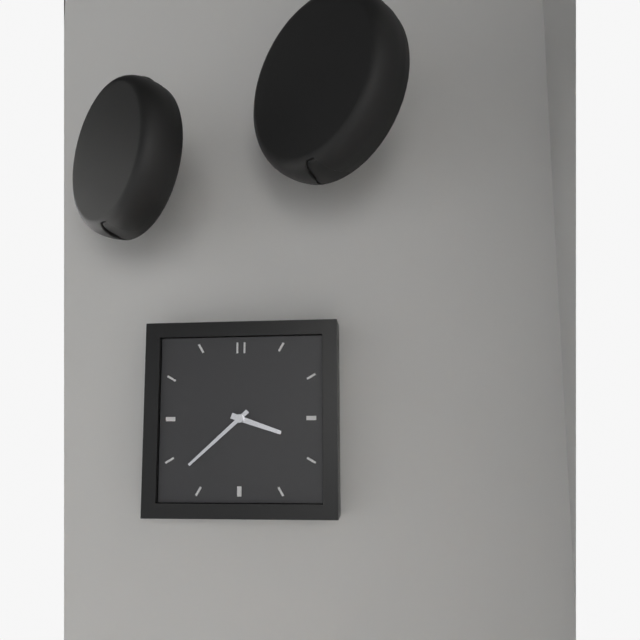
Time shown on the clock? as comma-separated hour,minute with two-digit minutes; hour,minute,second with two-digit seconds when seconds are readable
3,38
